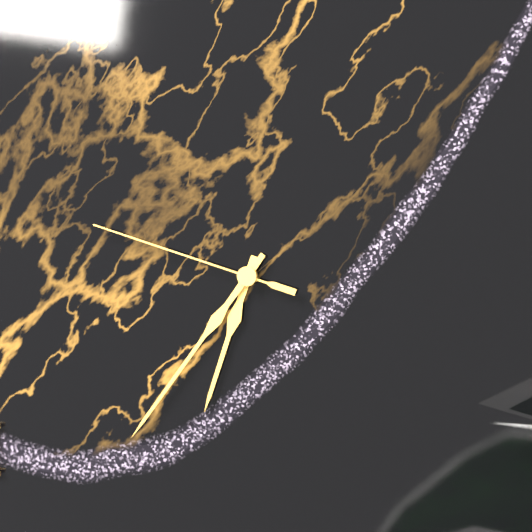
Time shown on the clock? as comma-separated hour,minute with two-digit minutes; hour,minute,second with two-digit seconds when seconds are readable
6,36,48
